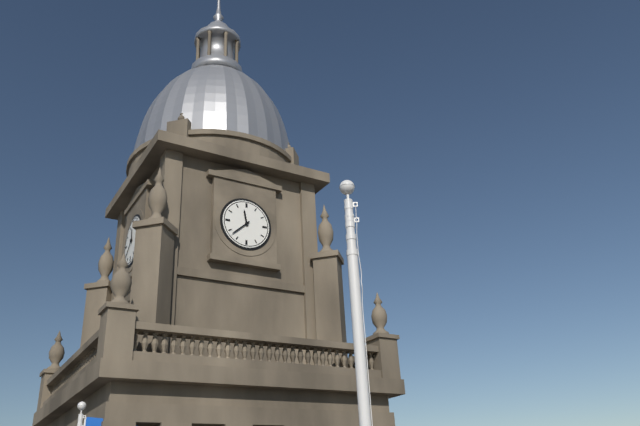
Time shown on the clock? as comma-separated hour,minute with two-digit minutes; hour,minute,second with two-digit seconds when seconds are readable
11,38
